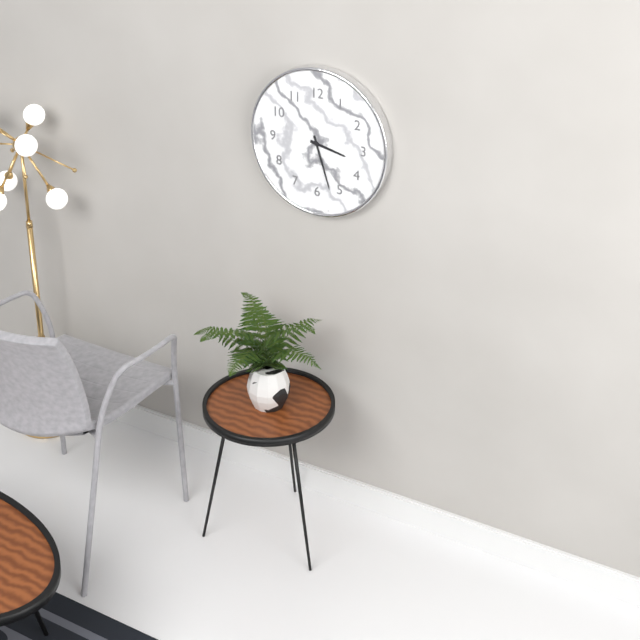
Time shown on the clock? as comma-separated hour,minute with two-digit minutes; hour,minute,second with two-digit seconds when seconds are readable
3,27
